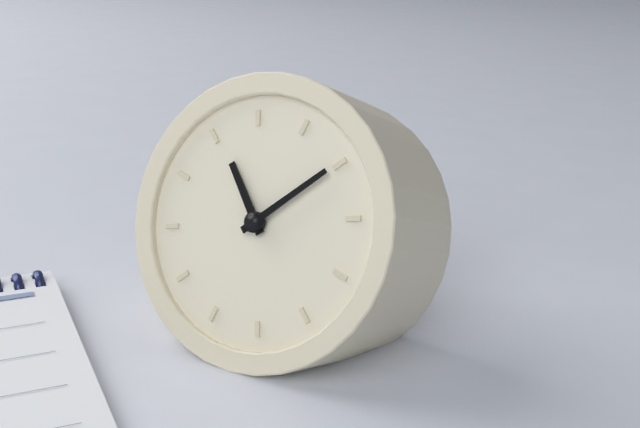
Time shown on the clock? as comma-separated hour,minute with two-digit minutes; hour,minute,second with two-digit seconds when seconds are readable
11,10
